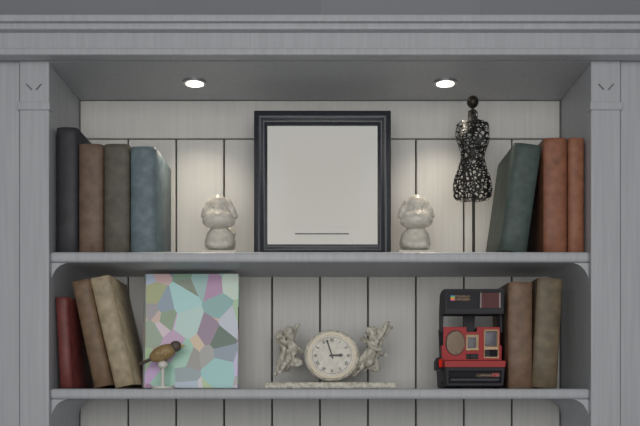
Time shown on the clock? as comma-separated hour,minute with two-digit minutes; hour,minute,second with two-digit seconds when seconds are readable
2,57
